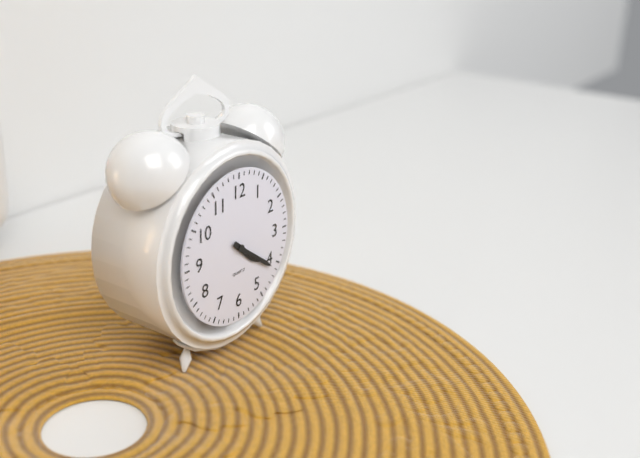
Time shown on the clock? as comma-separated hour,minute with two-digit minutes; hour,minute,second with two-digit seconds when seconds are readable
4,21
